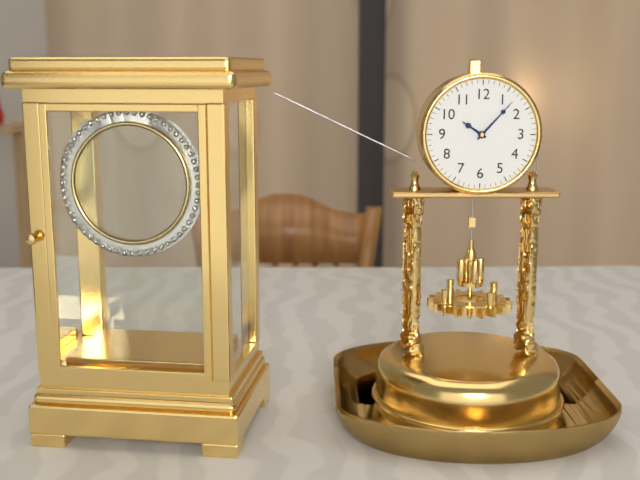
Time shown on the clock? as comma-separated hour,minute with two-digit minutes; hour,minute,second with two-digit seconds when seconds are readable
10,07
